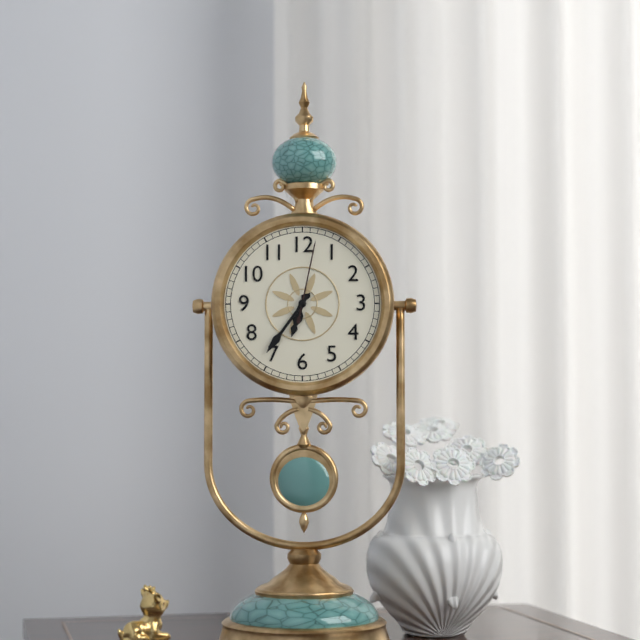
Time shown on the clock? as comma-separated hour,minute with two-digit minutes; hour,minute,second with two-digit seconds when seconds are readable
6,36,02
